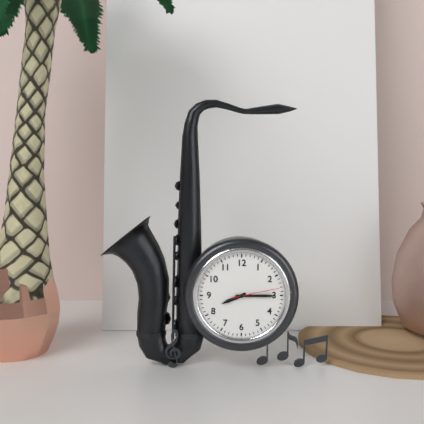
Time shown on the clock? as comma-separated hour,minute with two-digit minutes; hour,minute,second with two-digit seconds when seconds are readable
8,15
